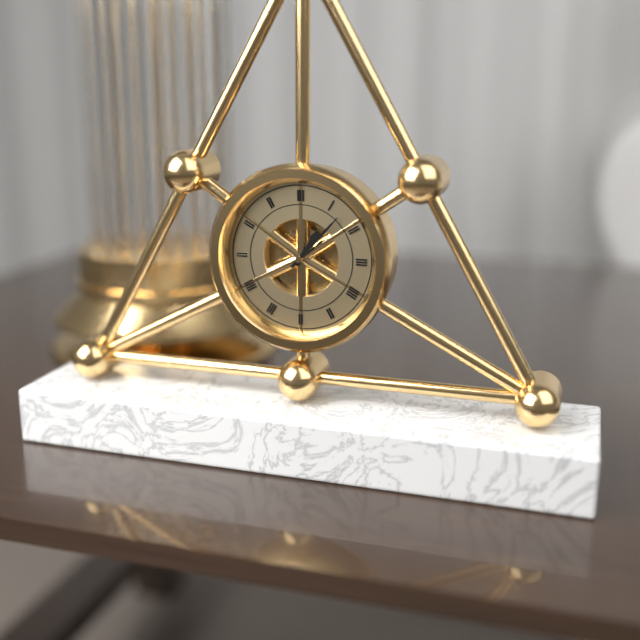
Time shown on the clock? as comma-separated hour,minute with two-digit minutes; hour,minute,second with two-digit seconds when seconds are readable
1,07
